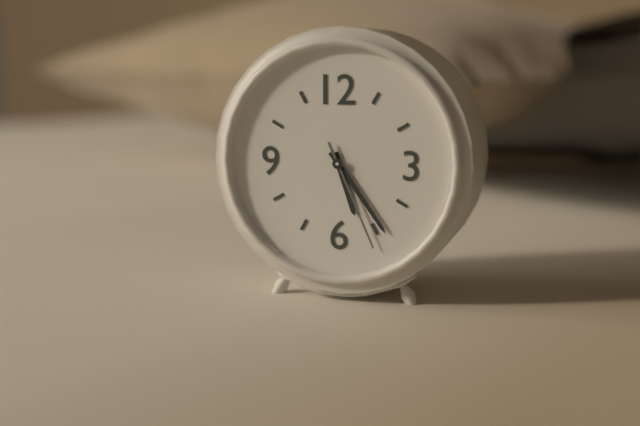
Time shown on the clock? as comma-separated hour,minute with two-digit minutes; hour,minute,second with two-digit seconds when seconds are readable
5,24,26
